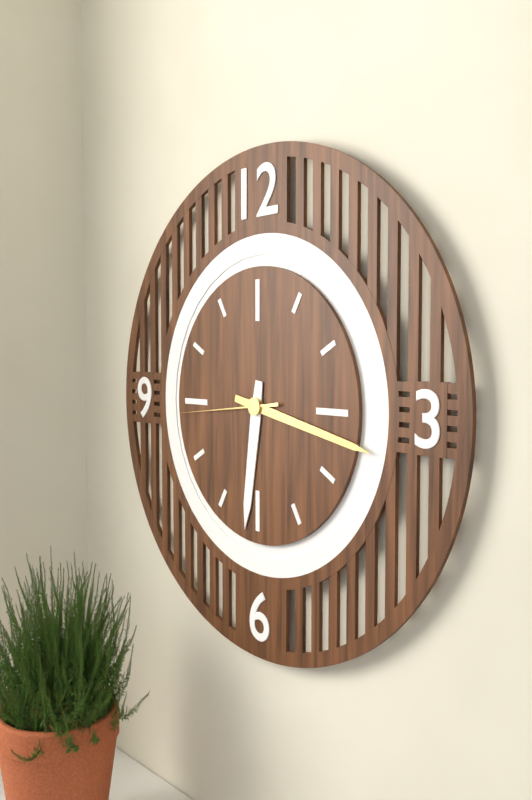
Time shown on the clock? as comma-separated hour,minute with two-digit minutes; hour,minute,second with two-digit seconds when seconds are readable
6,17,44
